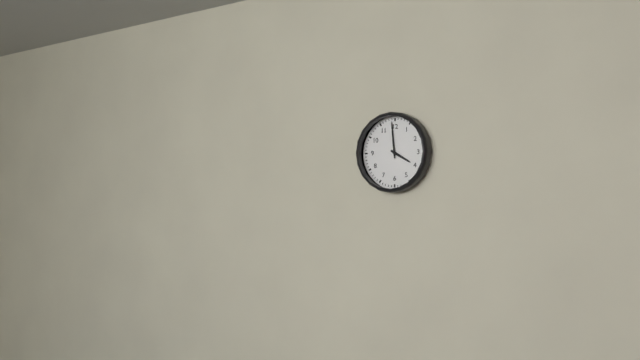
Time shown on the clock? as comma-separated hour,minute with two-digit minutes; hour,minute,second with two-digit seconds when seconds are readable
3,59
